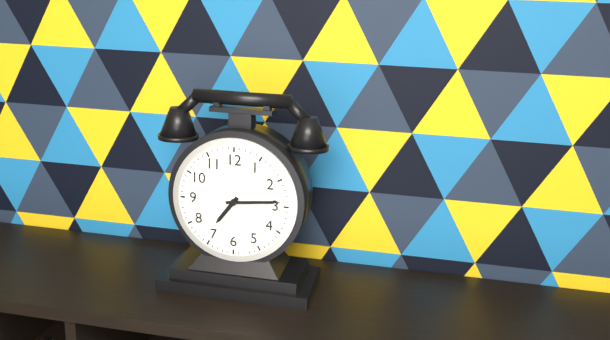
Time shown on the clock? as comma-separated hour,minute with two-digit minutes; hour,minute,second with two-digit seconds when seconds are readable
7,14
